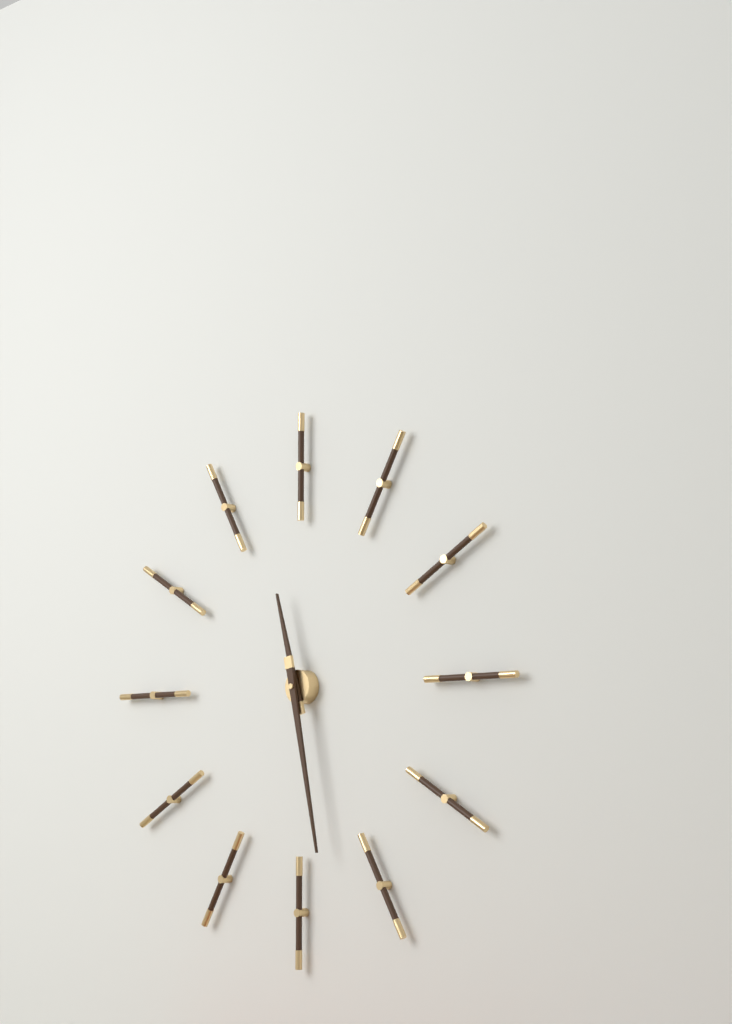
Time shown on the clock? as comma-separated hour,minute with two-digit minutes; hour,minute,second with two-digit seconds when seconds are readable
11,28
